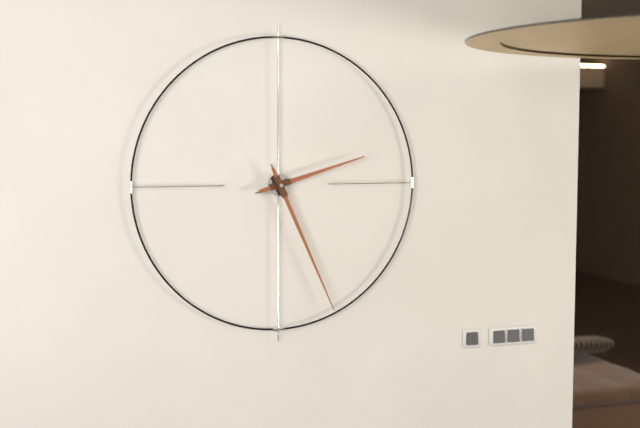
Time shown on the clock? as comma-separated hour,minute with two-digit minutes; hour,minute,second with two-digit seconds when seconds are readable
2,26
